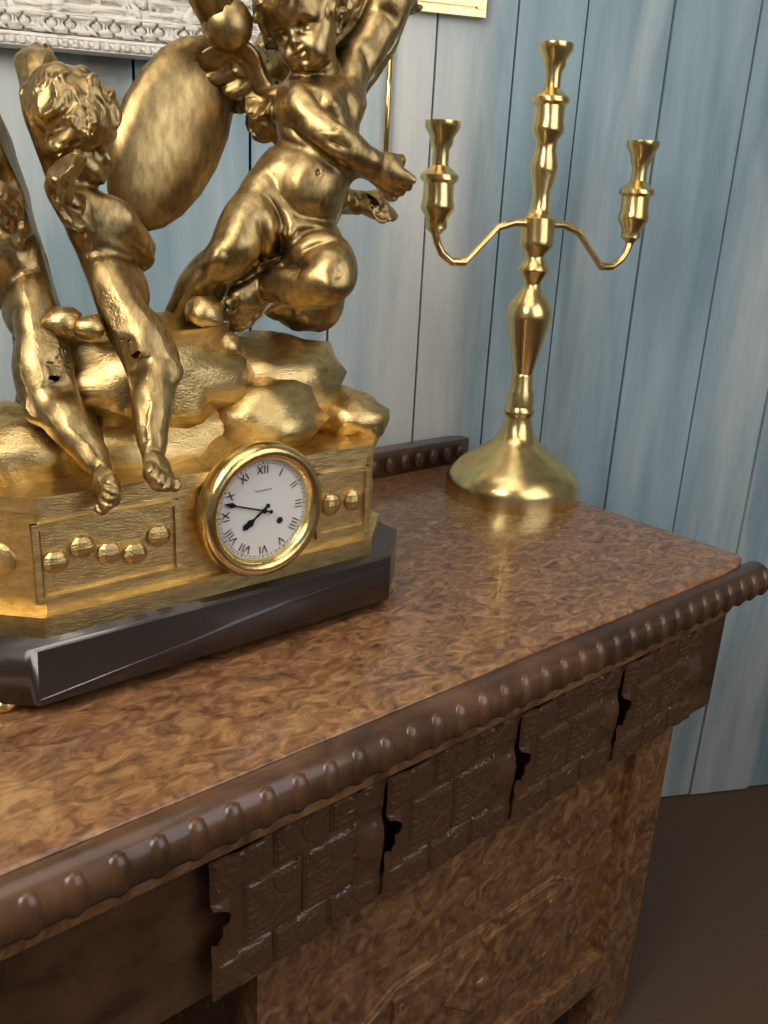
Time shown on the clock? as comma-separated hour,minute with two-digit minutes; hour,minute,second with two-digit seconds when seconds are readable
7,48
